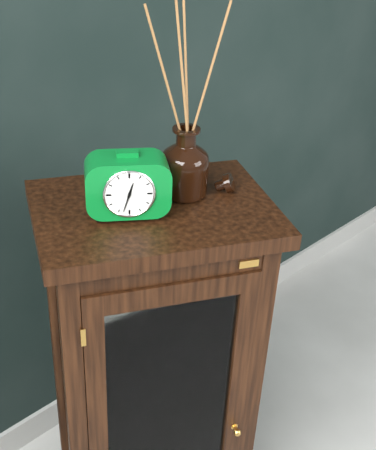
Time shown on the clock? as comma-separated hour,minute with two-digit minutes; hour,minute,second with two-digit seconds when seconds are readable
12,33
